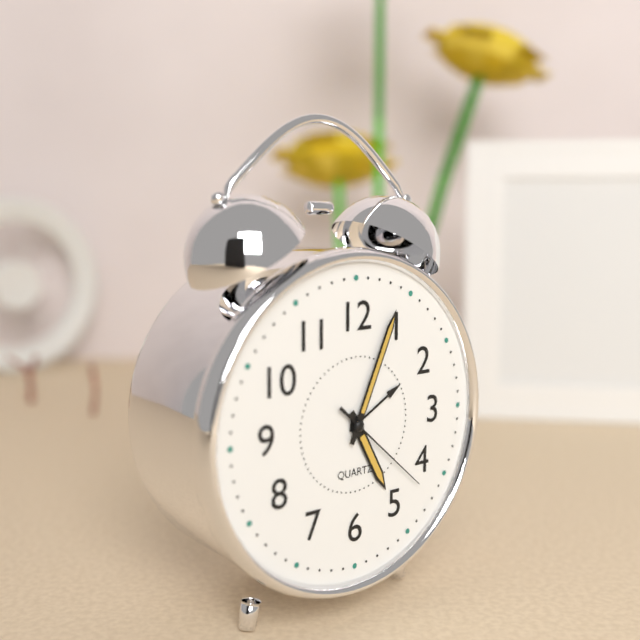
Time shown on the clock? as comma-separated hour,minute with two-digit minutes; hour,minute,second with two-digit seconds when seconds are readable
5,04,22
